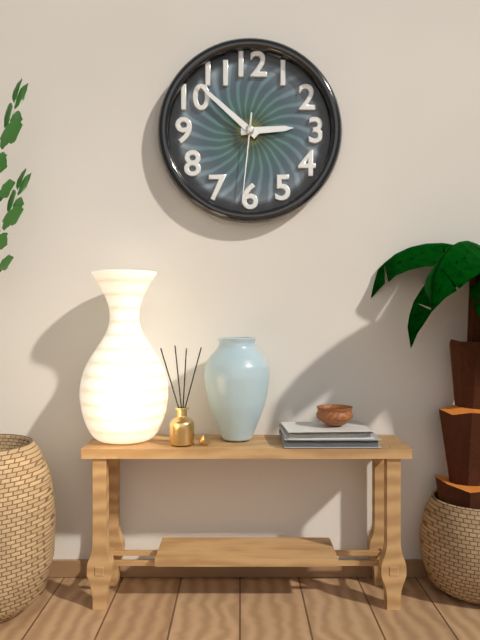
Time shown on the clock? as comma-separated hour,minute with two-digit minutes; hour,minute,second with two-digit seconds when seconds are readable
2,52,31
